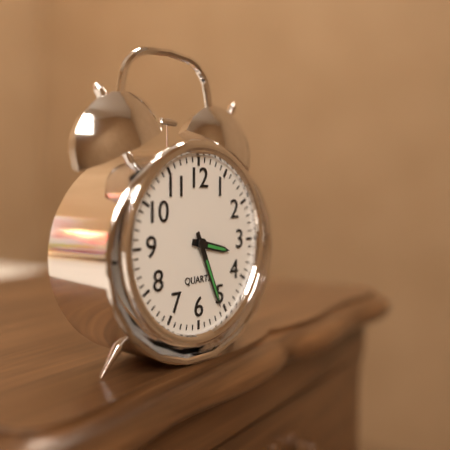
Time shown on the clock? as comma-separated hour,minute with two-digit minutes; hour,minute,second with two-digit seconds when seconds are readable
3,26
